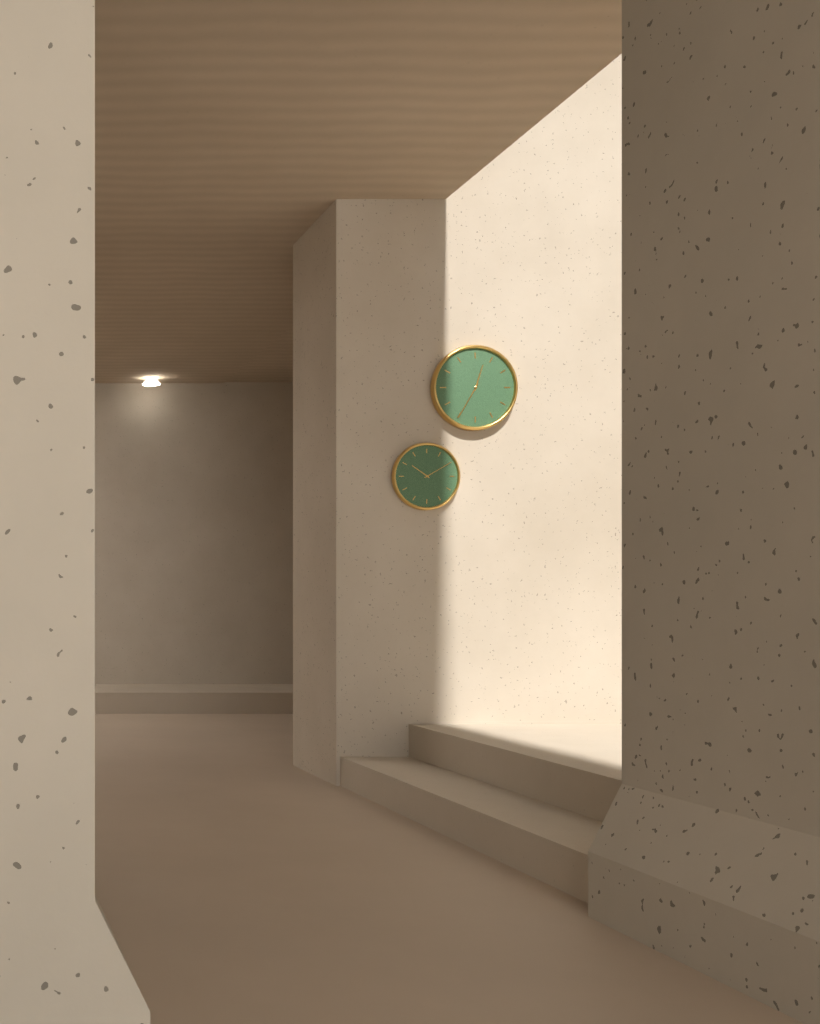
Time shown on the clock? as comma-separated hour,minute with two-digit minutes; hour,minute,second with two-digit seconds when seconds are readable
12,35
